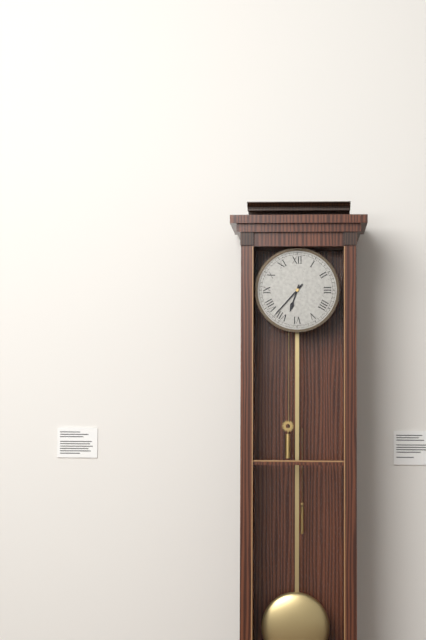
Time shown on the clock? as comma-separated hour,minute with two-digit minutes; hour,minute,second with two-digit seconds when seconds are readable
6,37
